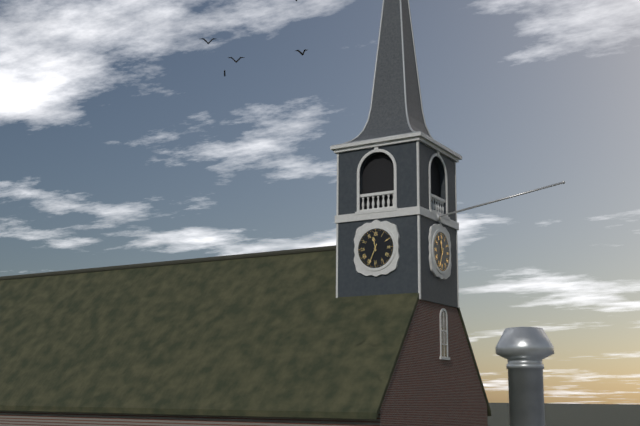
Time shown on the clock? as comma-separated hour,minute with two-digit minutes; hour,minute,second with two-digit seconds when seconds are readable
11,34
